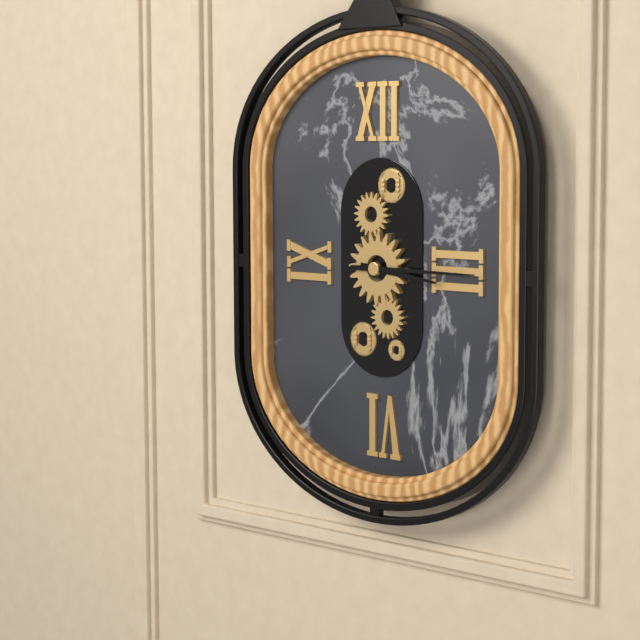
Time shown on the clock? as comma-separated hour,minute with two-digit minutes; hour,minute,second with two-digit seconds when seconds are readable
3,15
